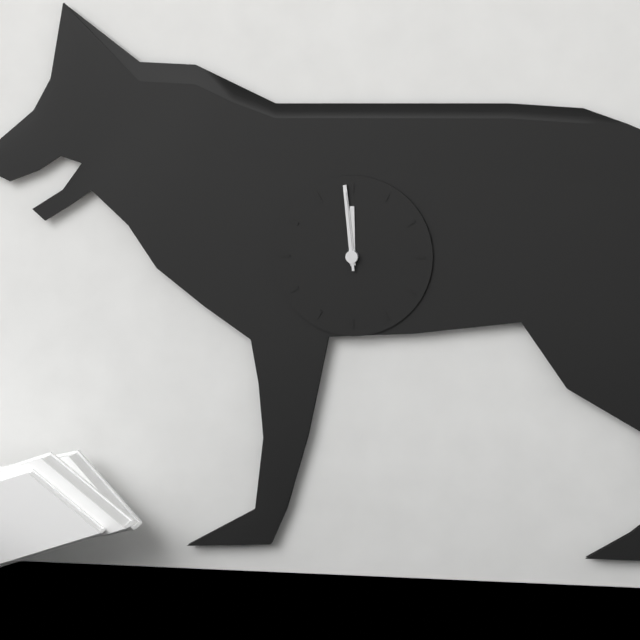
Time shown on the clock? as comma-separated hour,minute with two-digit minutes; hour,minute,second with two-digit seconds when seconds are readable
11,59,59
